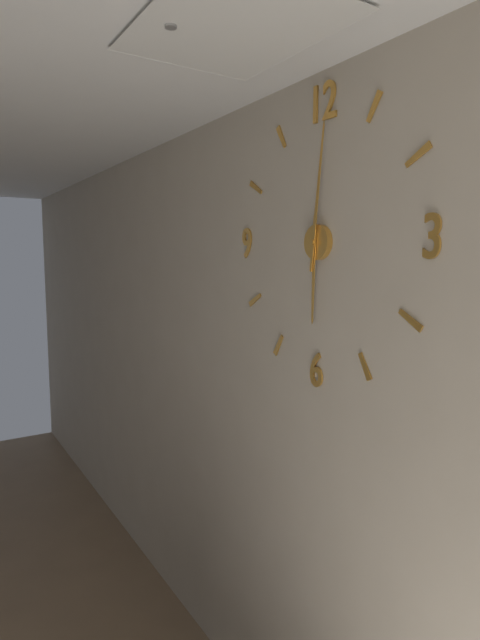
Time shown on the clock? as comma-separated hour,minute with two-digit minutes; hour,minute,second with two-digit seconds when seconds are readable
6,01
